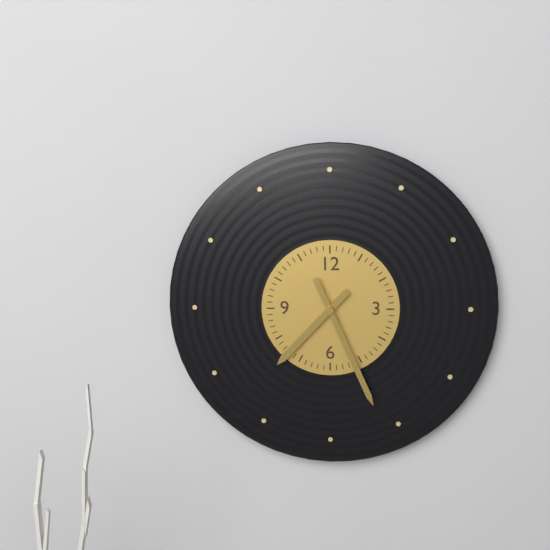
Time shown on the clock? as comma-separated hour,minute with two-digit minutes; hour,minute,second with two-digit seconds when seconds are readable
7,26
